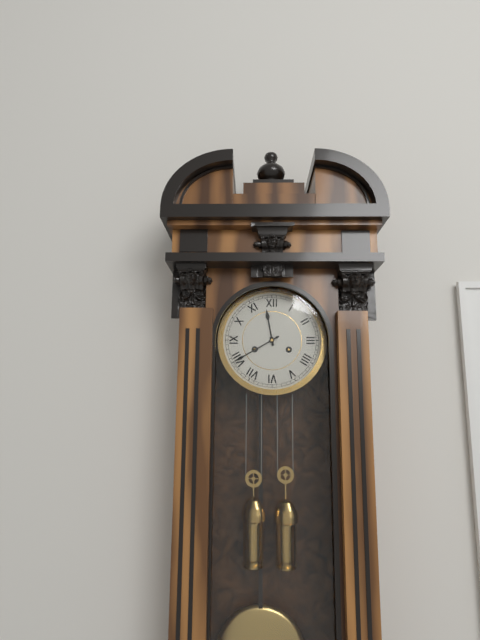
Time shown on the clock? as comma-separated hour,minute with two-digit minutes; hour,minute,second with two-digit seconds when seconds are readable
11,40
